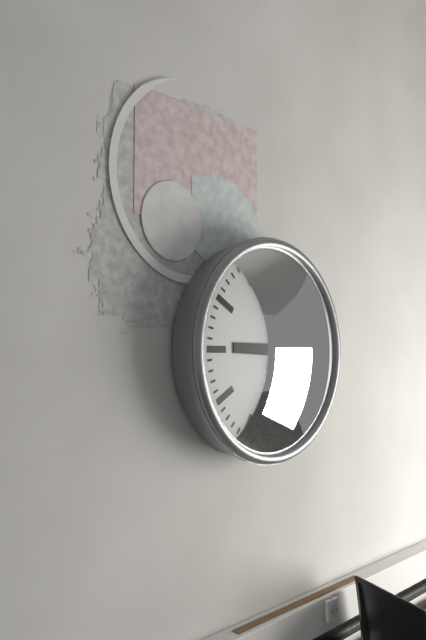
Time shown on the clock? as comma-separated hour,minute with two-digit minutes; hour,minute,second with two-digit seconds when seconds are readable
9,03
